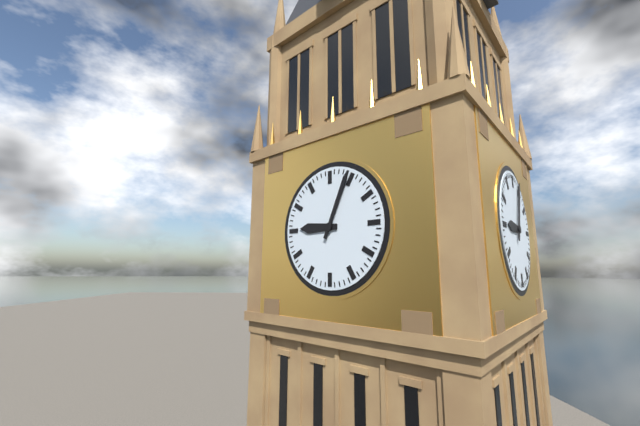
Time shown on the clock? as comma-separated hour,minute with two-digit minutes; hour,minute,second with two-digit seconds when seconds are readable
9,04
